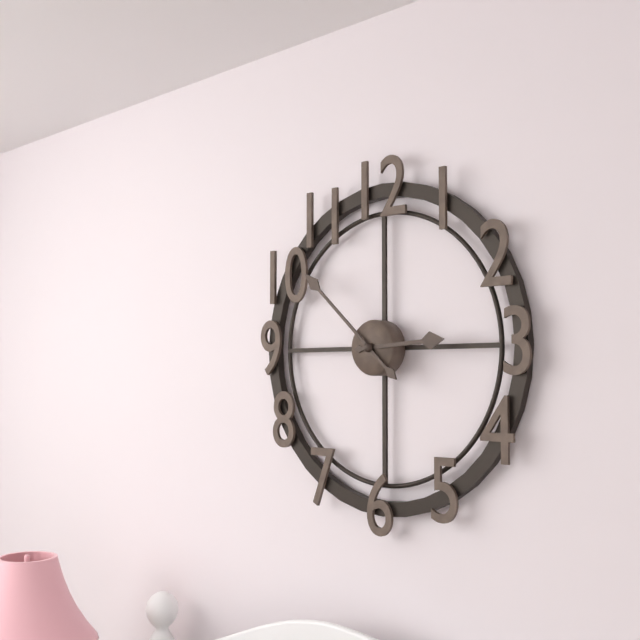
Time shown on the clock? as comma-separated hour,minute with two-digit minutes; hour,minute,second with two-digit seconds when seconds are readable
2,52
